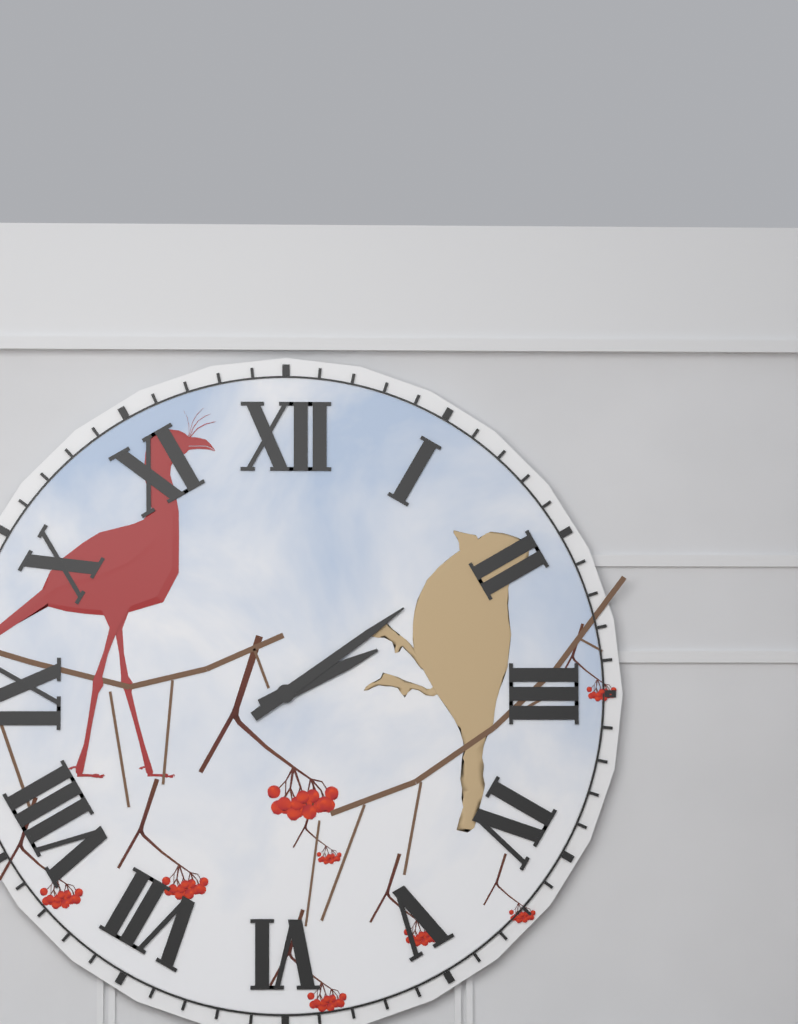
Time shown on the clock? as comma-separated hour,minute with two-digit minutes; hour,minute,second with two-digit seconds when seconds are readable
2,09
